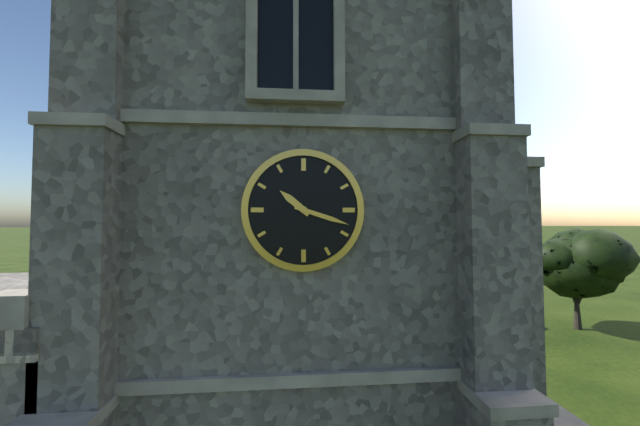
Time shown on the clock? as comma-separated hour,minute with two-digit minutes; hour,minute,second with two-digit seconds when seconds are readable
10,18
